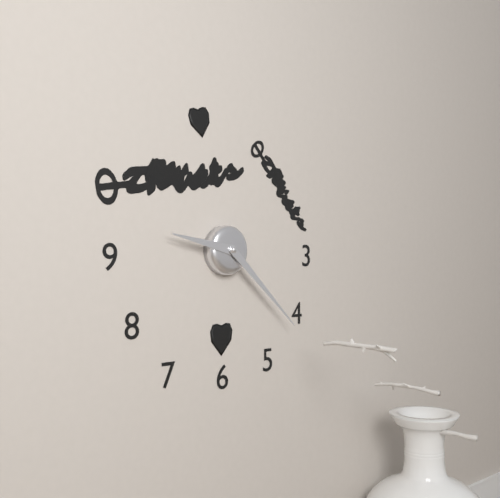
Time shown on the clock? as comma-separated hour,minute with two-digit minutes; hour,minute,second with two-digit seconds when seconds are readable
9,22
